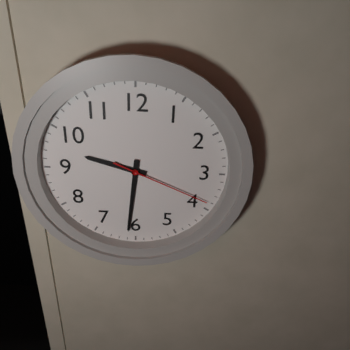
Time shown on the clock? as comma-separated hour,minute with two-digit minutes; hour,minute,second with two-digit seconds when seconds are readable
9,31,19
